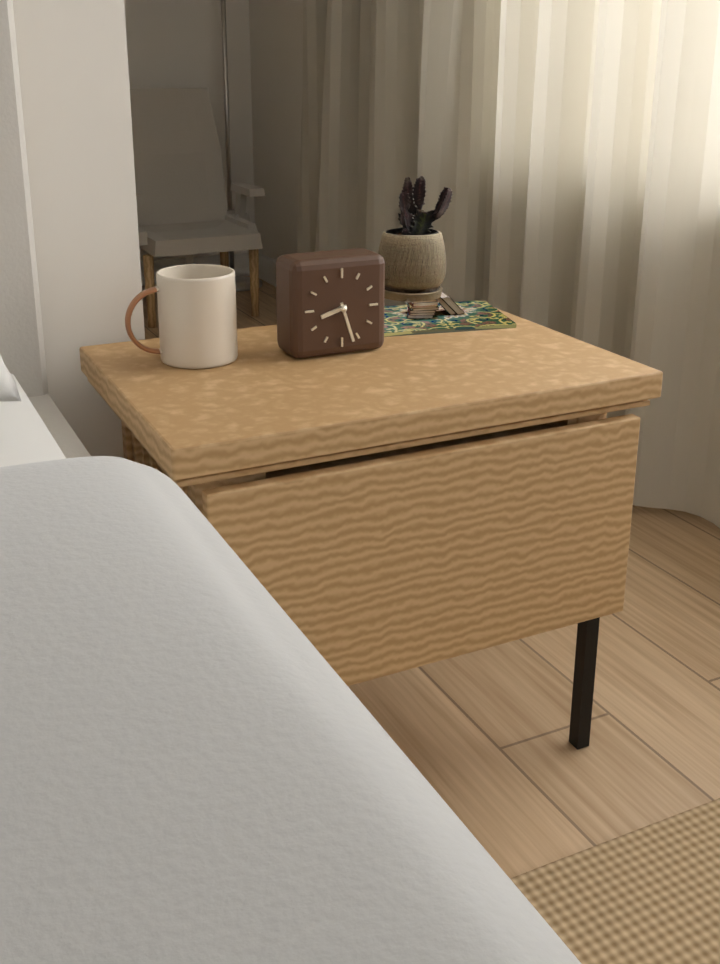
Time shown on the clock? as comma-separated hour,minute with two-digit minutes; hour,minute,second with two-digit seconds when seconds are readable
8,27
